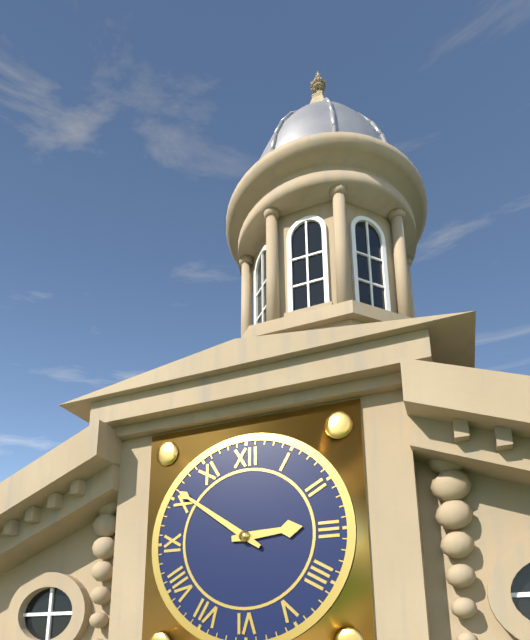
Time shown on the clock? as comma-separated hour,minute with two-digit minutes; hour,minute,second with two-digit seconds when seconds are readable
2,51
